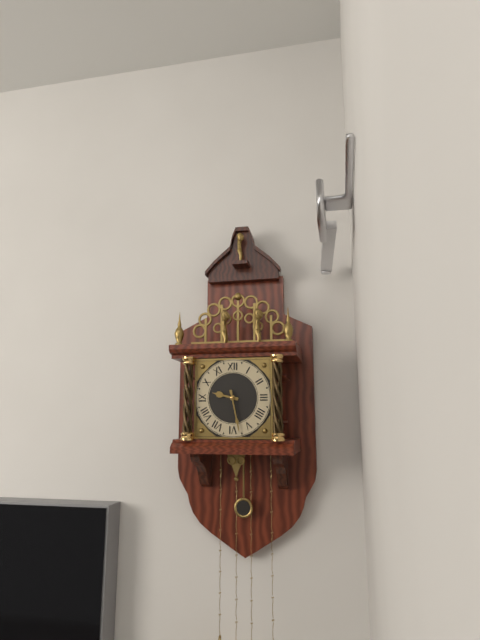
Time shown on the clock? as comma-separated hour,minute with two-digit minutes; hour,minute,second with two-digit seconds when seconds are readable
9,28
